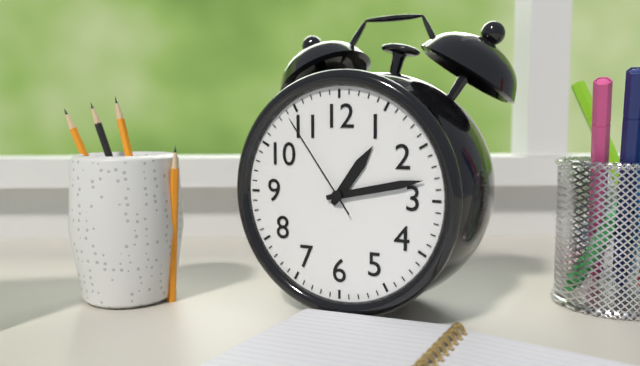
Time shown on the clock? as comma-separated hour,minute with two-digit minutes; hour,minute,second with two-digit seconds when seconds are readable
1,13,54
